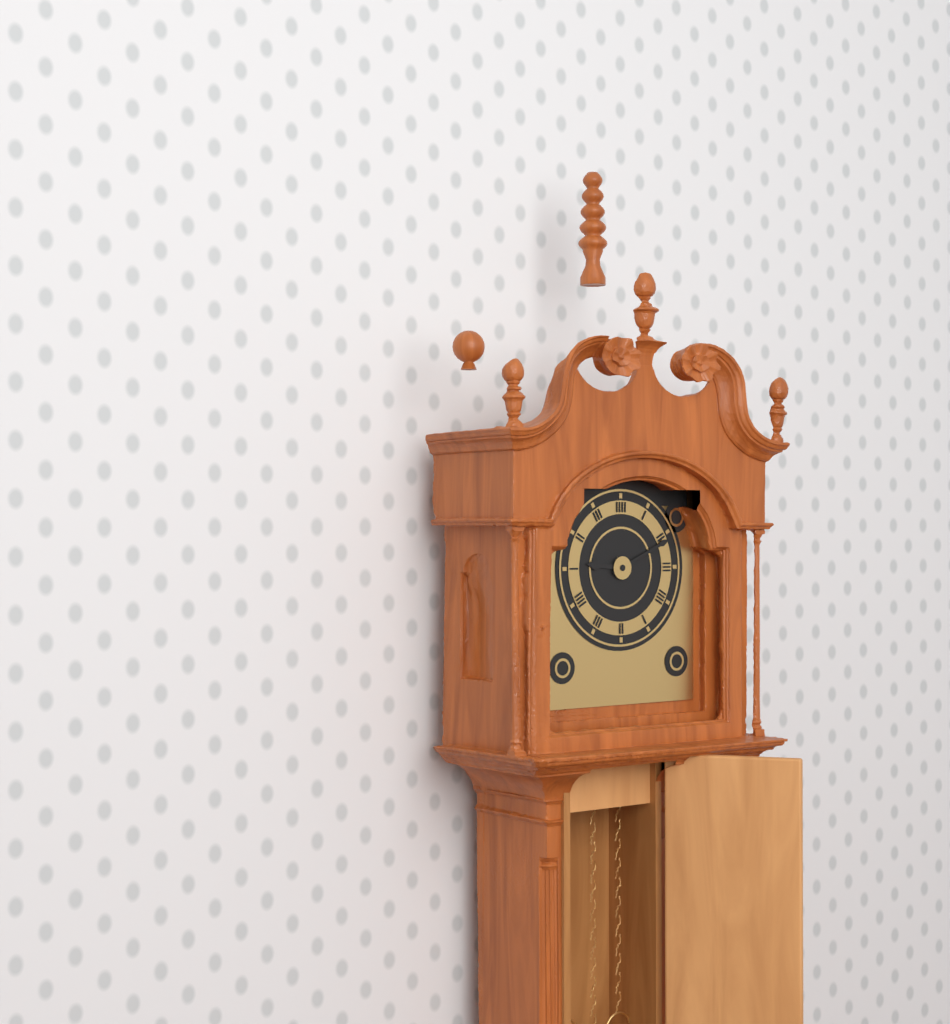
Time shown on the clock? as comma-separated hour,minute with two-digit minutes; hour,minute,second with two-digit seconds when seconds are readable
9,11
